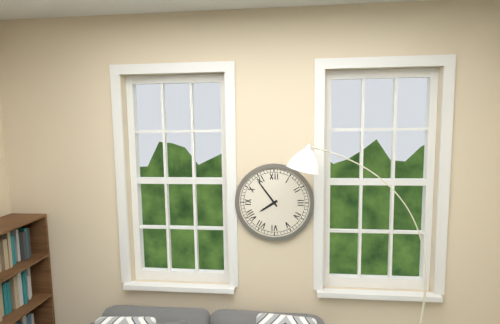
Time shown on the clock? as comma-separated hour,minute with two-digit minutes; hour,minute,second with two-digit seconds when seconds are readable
7,54
